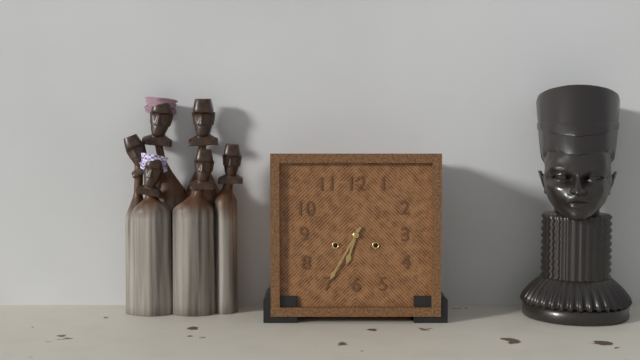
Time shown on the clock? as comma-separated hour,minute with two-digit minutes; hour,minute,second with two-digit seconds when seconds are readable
6,35
